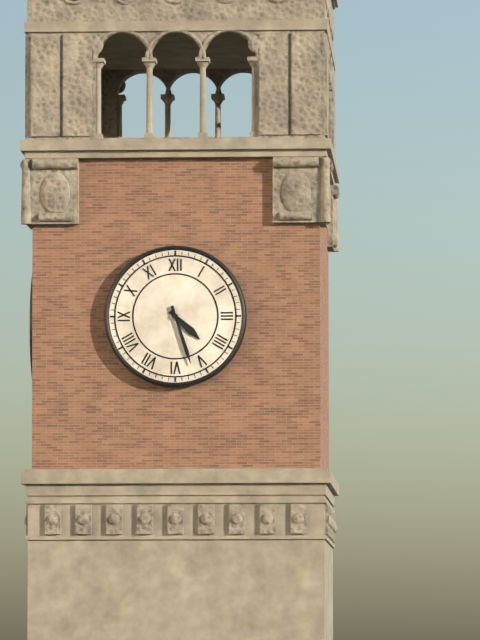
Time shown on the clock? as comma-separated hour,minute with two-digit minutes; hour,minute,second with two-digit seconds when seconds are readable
4,27
